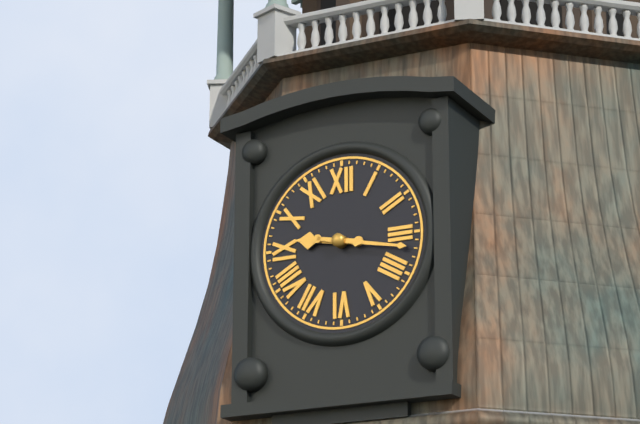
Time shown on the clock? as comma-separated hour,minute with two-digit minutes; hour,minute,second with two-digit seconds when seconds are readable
9,17
